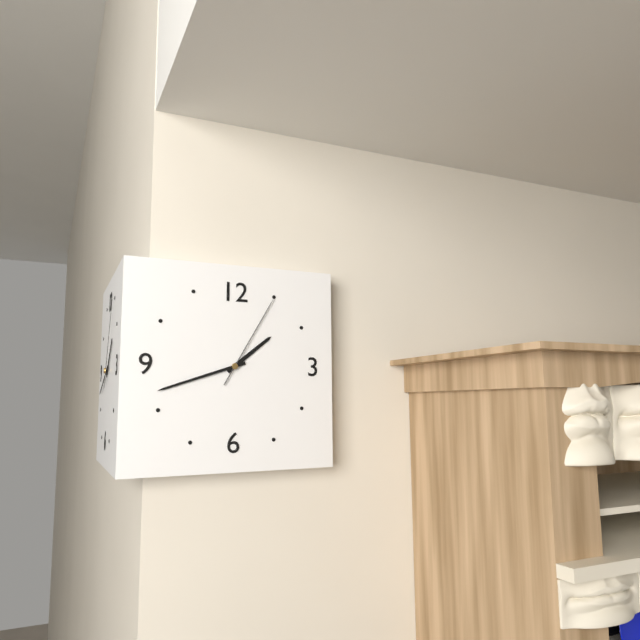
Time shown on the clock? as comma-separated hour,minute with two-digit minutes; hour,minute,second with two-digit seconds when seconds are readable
1,42,05
